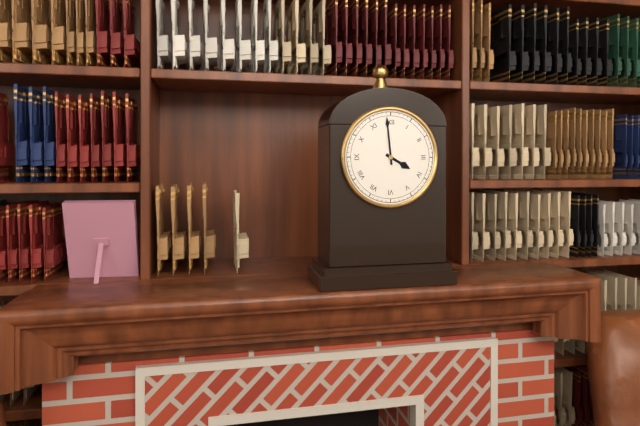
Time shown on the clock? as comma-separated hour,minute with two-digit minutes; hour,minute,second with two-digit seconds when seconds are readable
3,59
